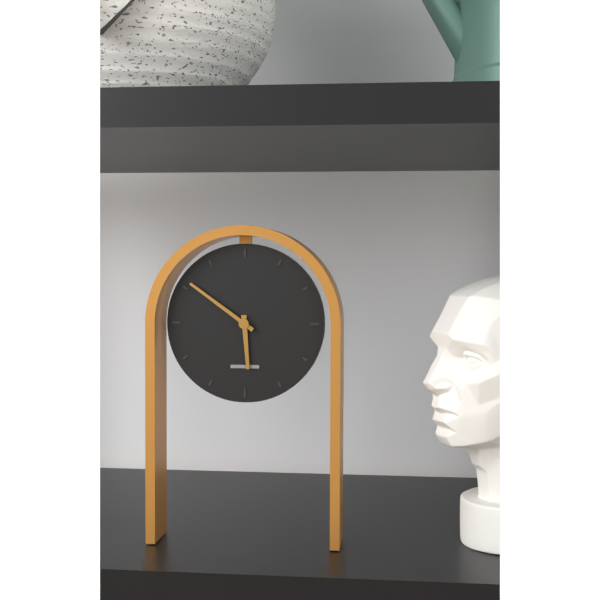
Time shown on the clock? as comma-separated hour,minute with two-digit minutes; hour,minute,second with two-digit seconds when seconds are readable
5,51
